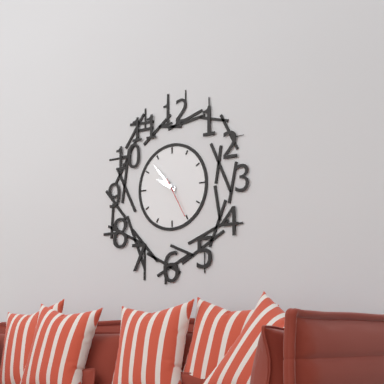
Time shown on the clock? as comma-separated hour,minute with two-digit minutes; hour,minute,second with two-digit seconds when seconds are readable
9,53
